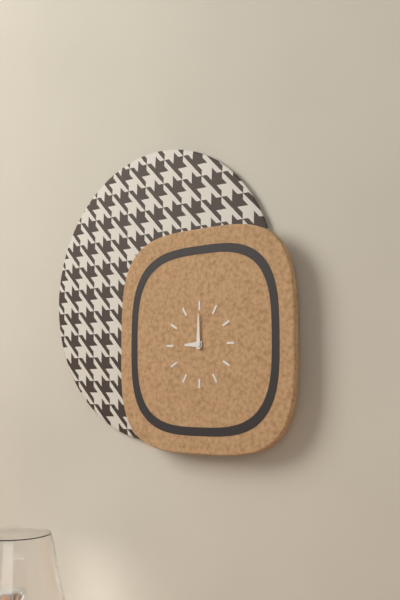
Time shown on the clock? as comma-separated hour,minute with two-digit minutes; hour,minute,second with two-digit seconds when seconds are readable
9,00
